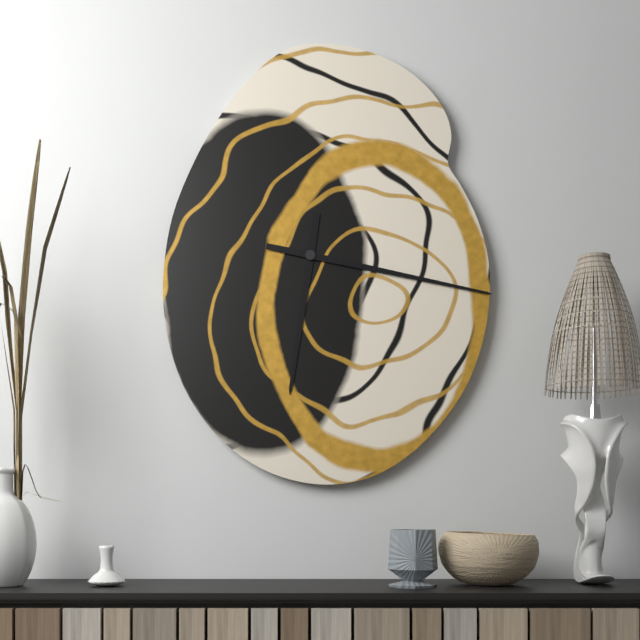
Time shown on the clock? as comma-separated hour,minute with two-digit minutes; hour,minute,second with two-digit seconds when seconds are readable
6,17
